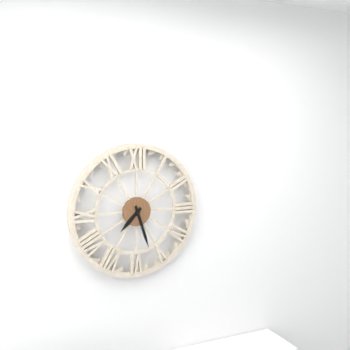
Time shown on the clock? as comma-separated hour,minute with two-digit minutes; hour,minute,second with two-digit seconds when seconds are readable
7,27
